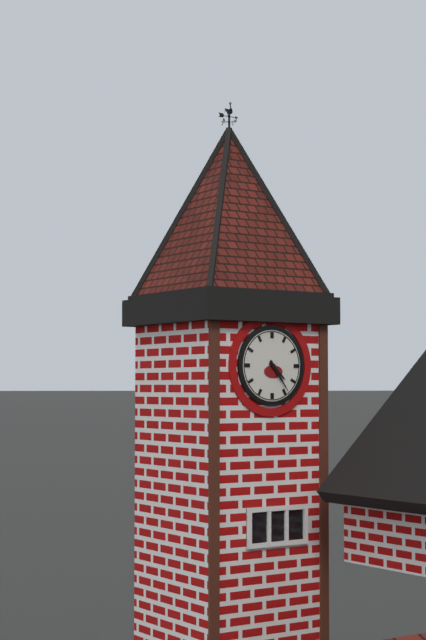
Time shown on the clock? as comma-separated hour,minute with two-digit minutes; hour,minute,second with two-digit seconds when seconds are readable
4,24
